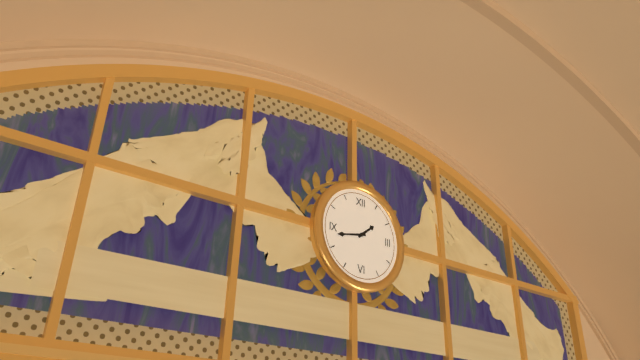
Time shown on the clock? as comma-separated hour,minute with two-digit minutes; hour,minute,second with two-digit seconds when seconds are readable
1,43
